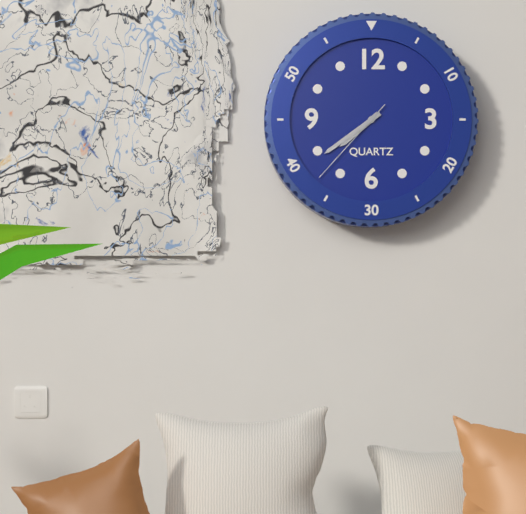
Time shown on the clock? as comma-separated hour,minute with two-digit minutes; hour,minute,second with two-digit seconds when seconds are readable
7,39,37
